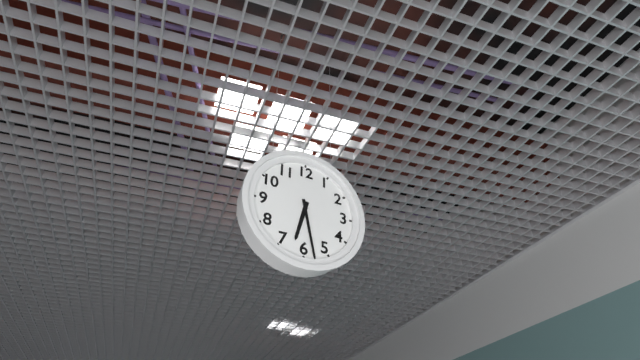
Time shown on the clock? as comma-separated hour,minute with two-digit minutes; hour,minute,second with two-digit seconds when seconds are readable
6,28
